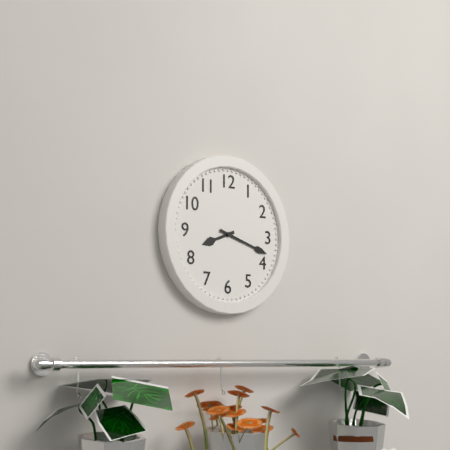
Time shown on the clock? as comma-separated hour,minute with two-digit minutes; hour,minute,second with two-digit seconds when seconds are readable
8,18
